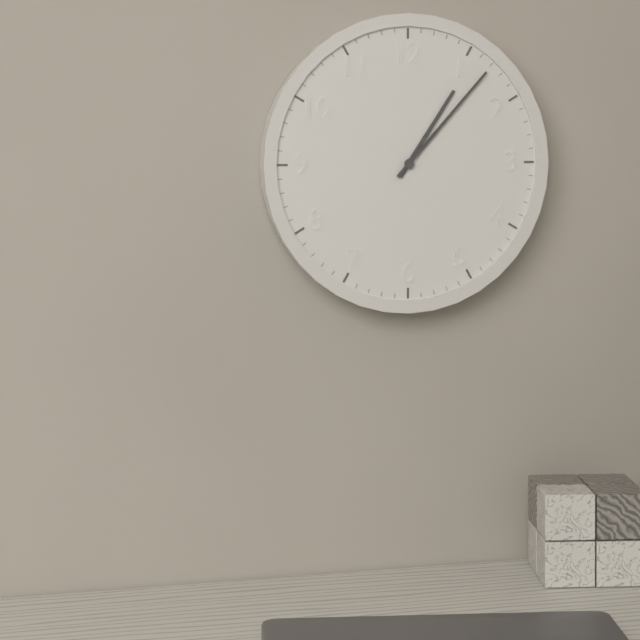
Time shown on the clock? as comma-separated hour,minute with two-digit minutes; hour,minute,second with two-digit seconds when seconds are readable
1,07
